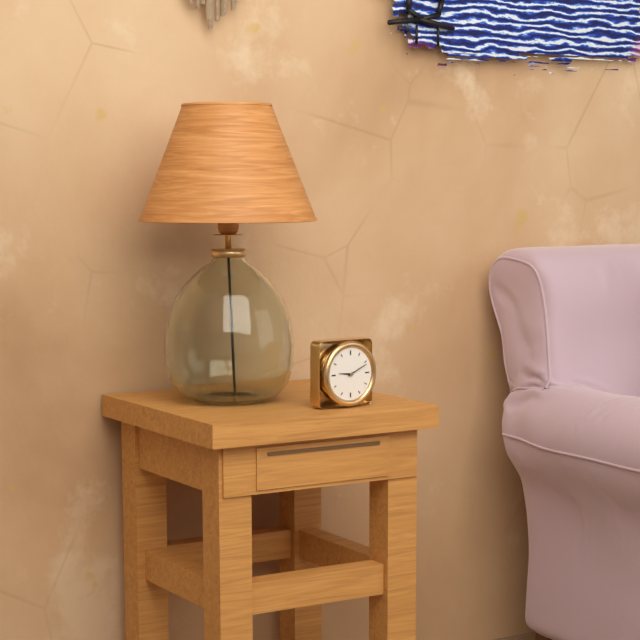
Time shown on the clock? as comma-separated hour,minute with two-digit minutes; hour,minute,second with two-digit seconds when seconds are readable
9,11
